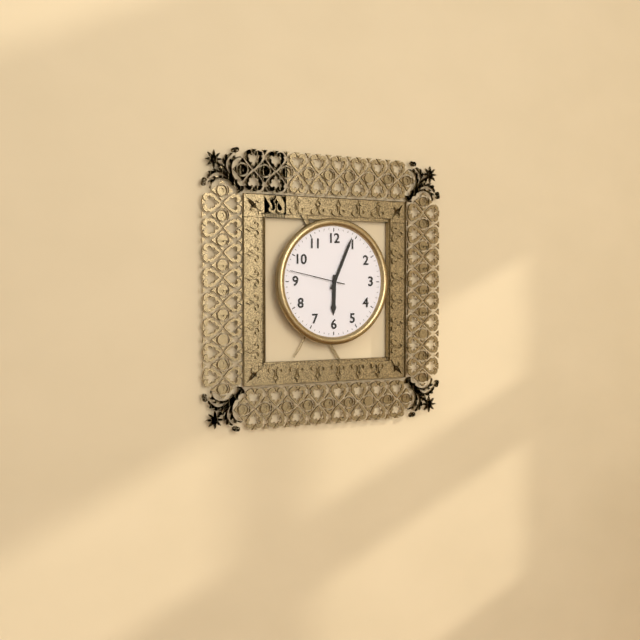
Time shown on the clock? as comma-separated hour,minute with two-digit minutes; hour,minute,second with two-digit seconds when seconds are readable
6,04,47
